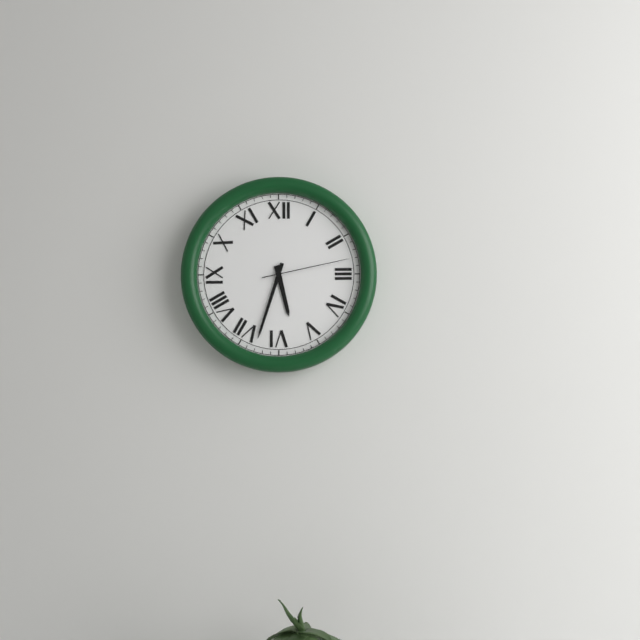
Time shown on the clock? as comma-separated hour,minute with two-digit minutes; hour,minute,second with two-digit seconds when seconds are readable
5,33,13
